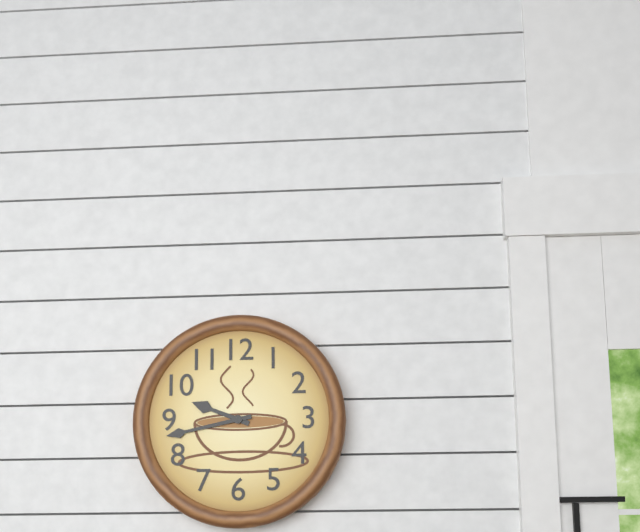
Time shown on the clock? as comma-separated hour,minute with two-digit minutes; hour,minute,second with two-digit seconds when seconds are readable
9,43
